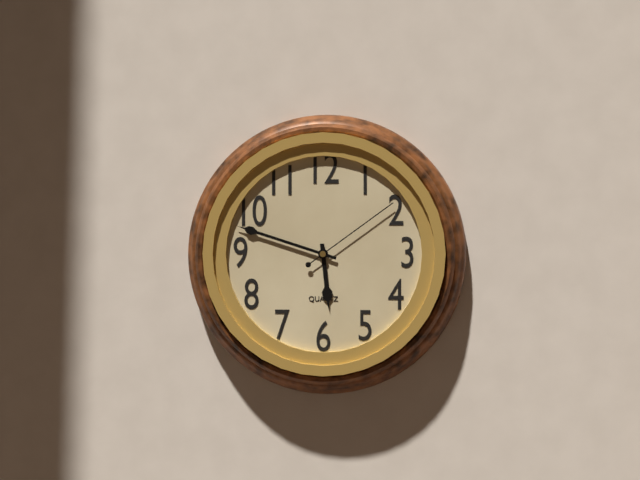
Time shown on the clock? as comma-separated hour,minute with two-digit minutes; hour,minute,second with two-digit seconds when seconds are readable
5,48,09
